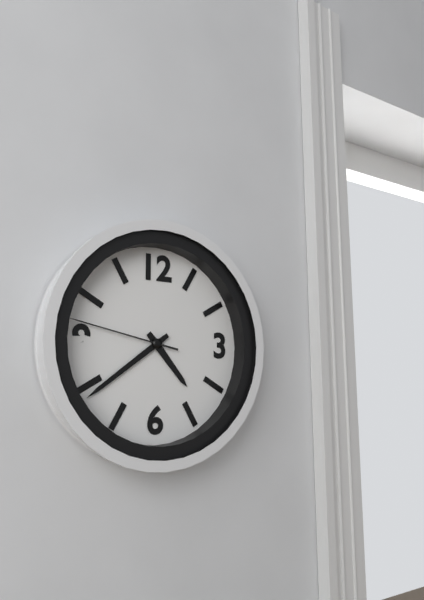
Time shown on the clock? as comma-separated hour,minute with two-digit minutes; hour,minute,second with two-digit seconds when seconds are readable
4,39,47
